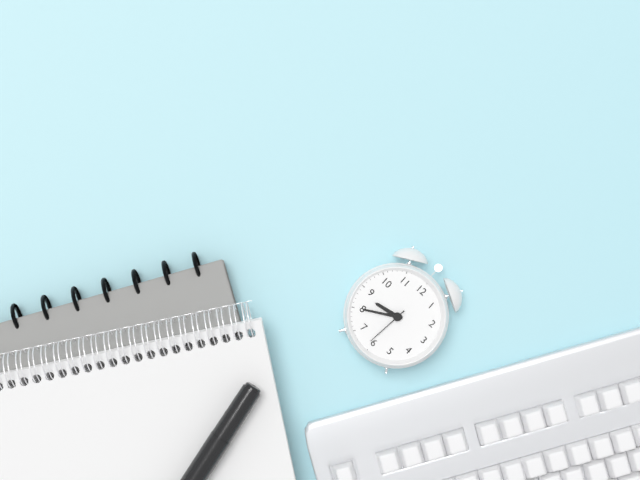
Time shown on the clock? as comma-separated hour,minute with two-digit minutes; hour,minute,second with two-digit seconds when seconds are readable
8,40
